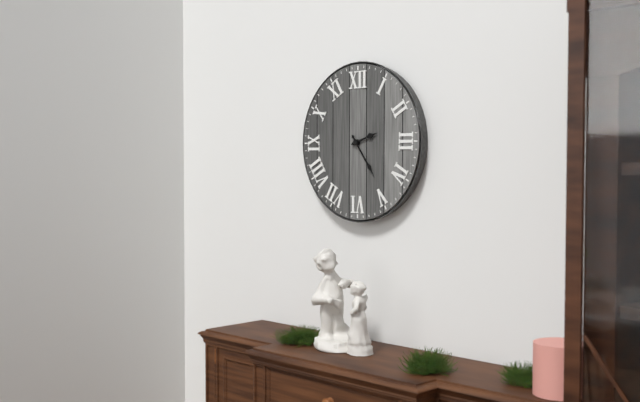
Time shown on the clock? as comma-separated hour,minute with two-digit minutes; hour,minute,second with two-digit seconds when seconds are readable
2,24
